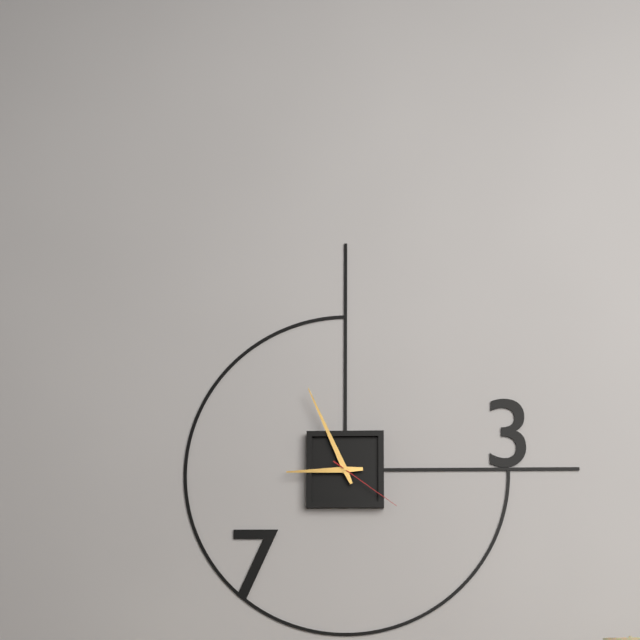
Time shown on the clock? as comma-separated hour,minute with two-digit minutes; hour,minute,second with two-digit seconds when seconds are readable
8,56,21
